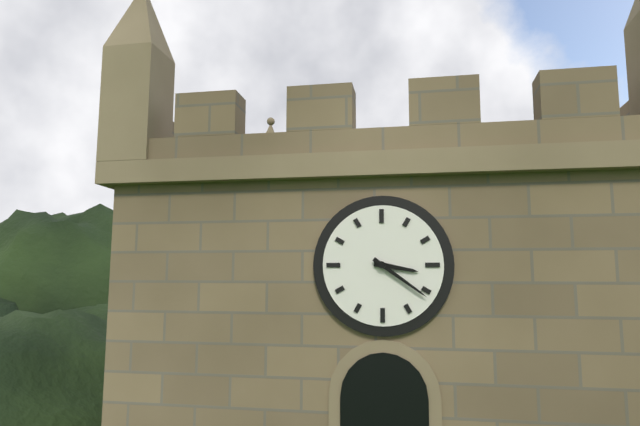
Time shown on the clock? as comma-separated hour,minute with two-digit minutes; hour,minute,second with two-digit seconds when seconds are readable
3,21
